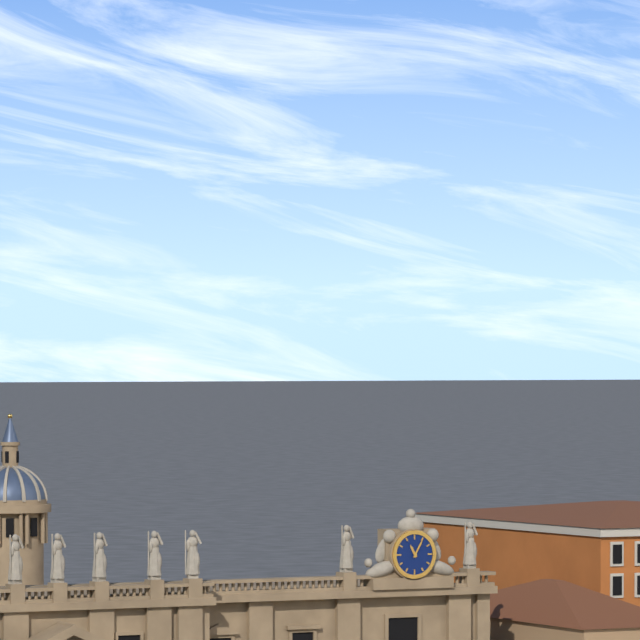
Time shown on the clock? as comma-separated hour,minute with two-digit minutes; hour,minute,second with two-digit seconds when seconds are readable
11,05
